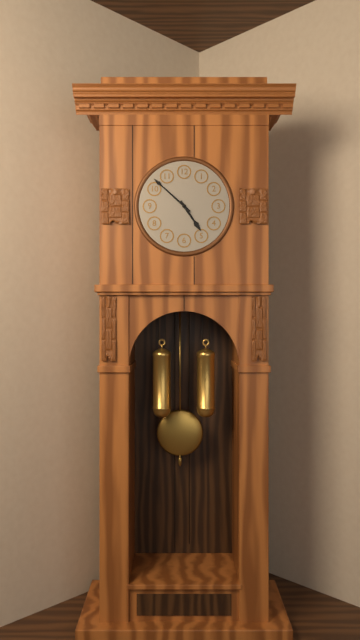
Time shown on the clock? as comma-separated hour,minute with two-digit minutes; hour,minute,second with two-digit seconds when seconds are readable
4,52
